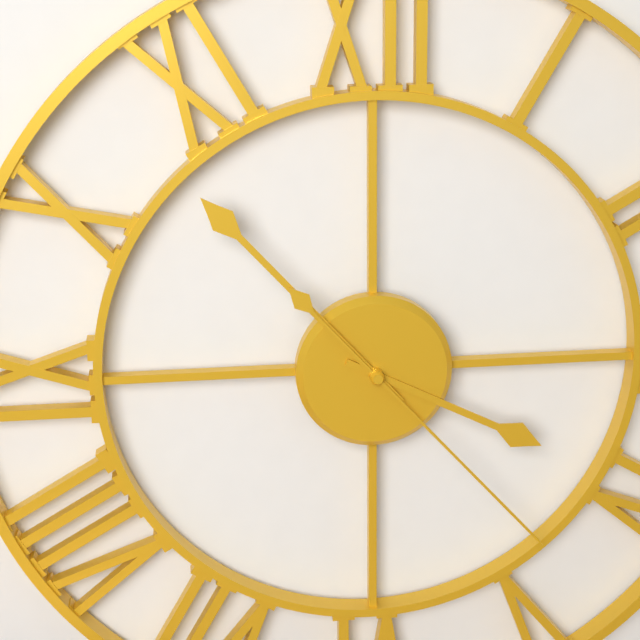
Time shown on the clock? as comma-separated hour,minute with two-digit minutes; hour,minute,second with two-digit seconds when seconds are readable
3,53,23
